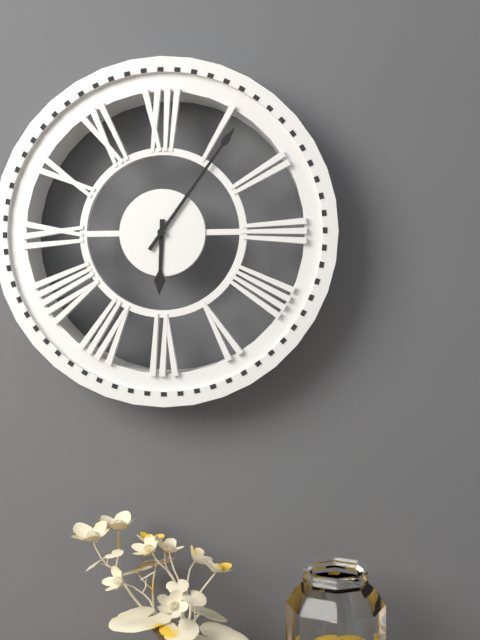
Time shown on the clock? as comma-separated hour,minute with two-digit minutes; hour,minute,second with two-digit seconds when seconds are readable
6,06
